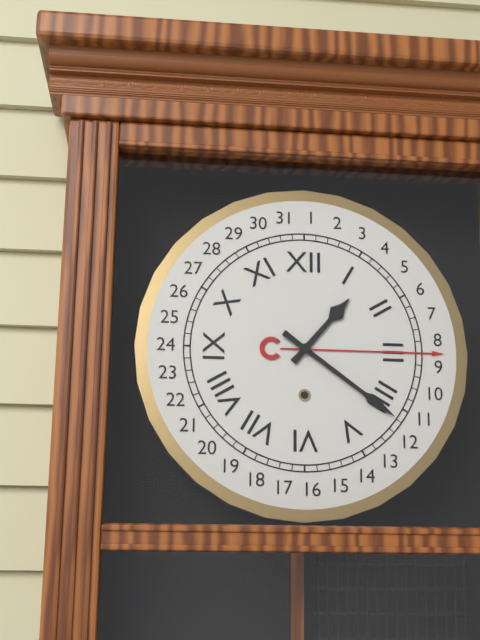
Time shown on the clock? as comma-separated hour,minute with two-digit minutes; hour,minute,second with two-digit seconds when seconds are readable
1,21
